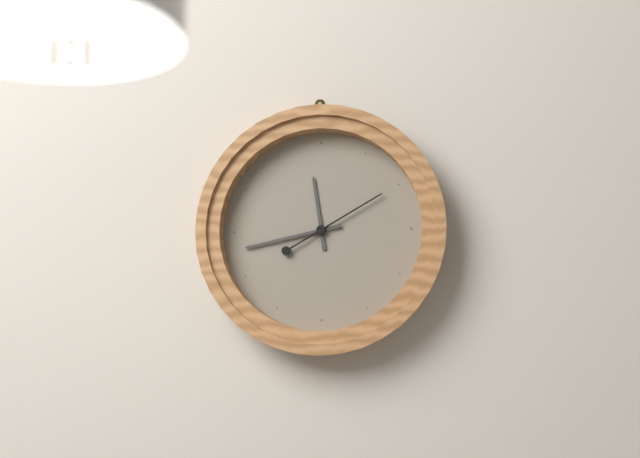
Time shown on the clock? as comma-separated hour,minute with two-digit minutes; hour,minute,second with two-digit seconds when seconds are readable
11,43,10
